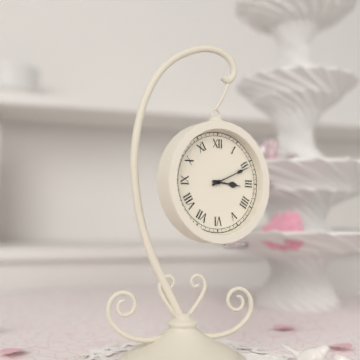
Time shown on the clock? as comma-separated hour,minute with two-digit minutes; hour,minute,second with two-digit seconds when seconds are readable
3,11
